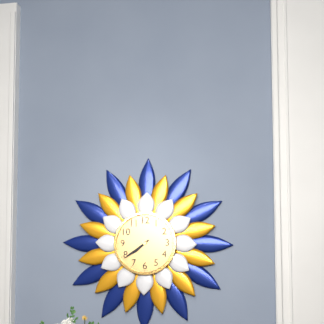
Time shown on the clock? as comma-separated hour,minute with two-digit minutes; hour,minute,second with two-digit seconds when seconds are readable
7,39
